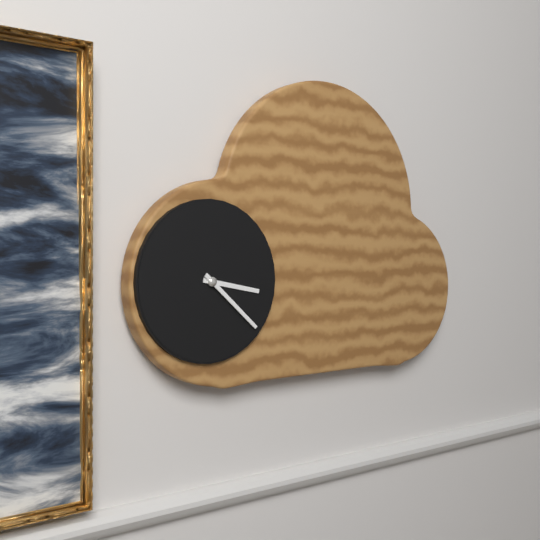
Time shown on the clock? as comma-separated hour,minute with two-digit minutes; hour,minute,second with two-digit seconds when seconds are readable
3,22
